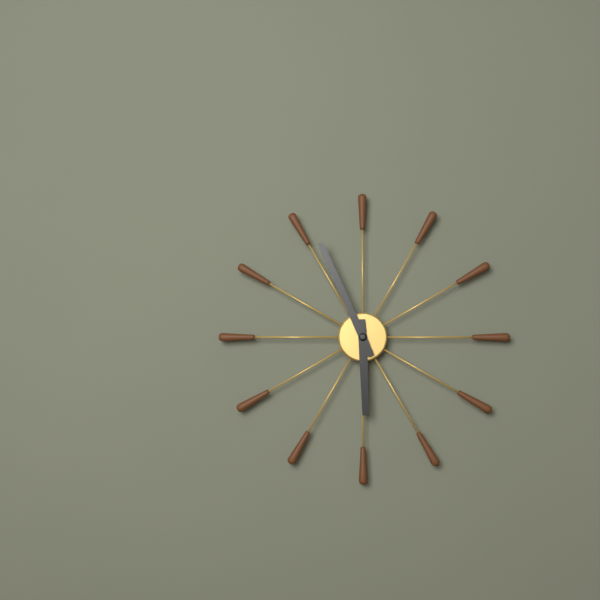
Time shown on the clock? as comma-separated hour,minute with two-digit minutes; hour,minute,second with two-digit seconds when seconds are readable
5,56
